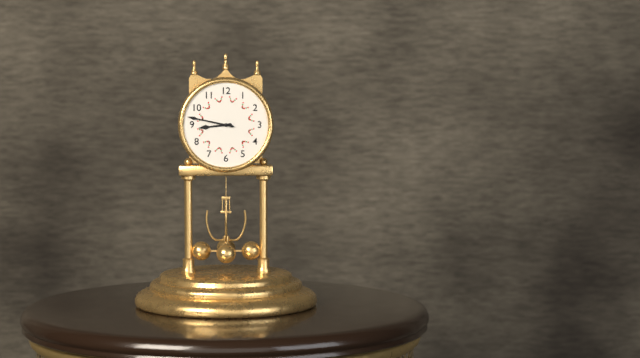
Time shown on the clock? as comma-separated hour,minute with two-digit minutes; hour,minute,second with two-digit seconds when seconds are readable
8,47
